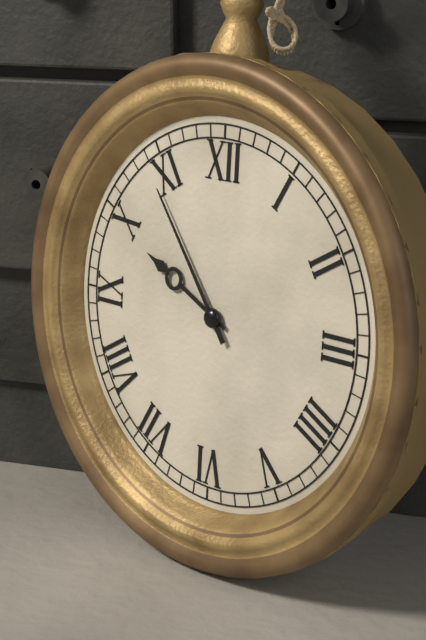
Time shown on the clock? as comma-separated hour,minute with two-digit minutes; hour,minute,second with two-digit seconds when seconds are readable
9,54
